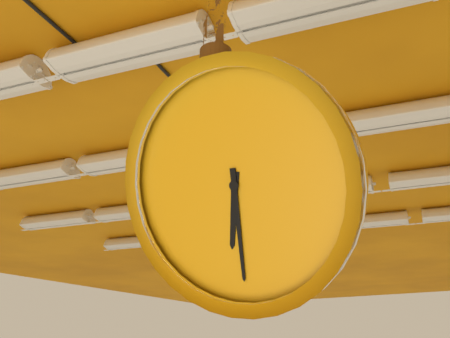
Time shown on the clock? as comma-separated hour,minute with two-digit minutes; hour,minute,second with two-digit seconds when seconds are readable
6,31
